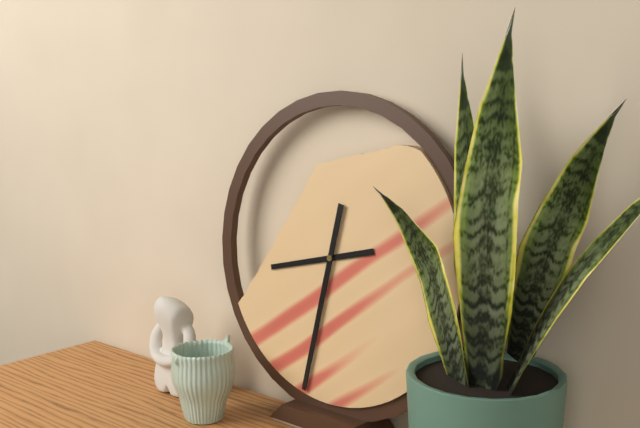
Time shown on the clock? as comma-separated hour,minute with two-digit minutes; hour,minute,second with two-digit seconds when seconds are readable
8,32
